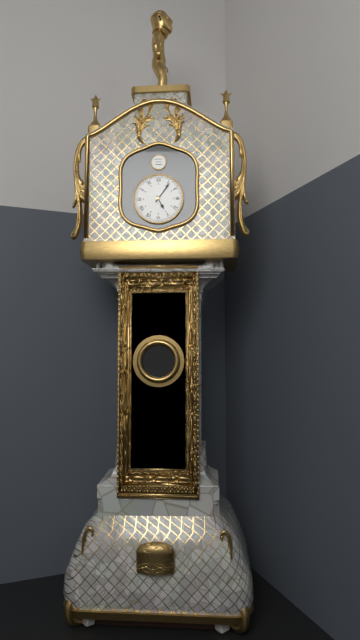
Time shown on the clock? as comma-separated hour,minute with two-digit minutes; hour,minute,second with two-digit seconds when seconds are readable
5,06
